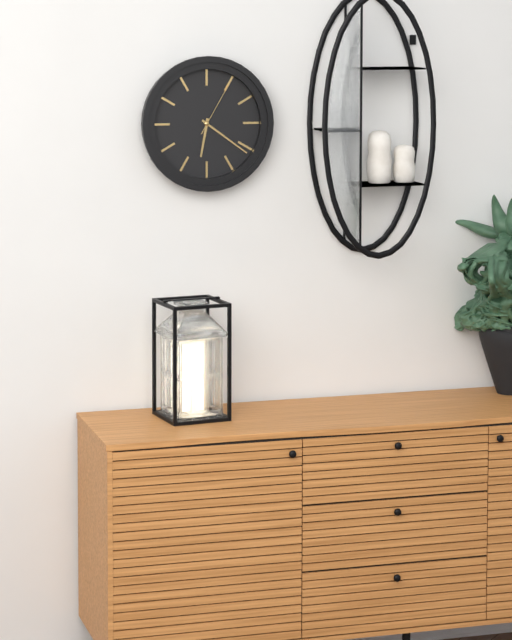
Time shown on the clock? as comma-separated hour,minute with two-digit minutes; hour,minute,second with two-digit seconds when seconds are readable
6,21,05
